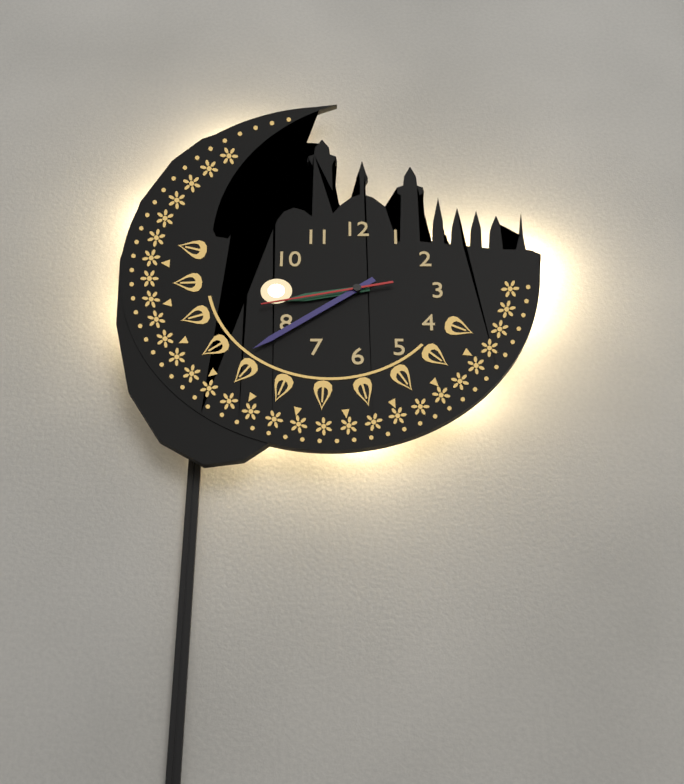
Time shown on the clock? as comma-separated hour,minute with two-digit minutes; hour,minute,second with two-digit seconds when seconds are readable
8,39,43
